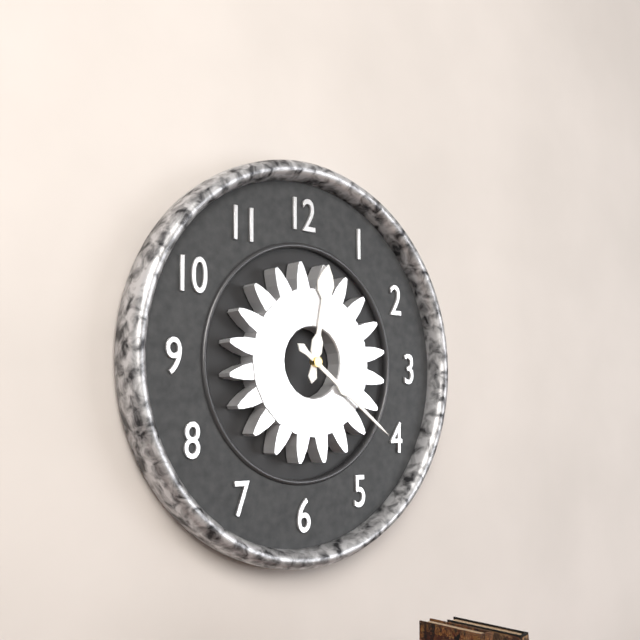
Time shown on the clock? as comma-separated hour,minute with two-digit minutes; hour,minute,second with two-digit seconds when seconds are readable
12,21
